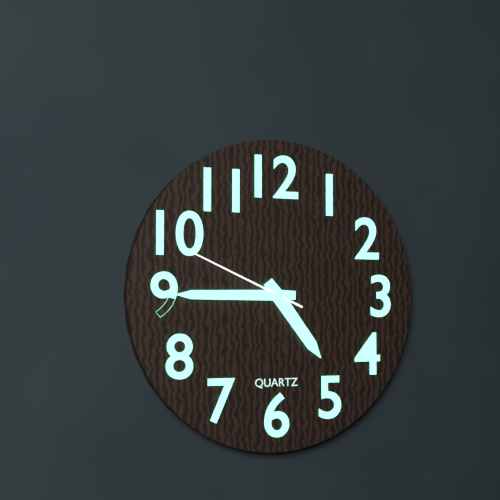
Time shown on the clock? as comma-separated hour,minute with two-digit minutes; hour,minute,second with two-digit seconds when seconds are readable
4,45,49
